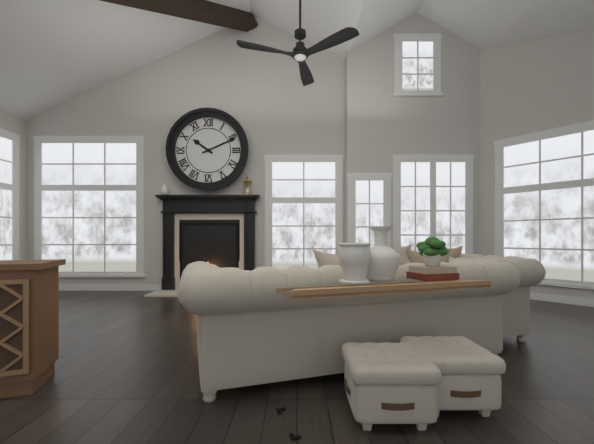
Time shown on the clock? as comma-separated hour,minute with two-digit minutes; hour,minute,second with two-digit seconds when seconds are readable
10,11
